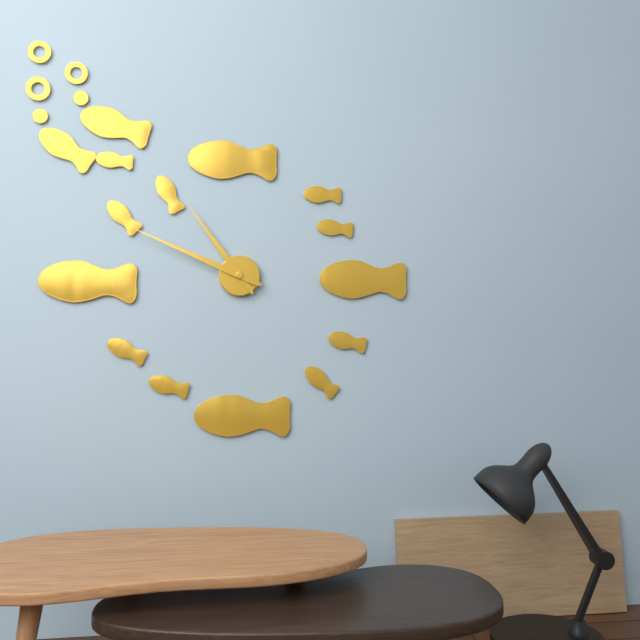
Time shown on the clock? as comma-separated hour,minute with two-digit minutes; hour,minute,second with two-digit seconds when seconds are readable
10,49
